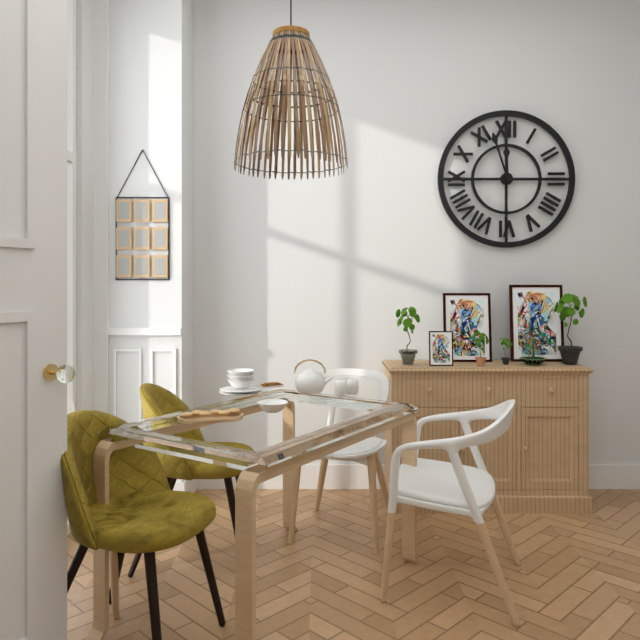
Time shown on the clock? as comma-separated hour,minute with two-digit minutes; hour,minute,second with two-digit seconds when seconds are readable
11,57
